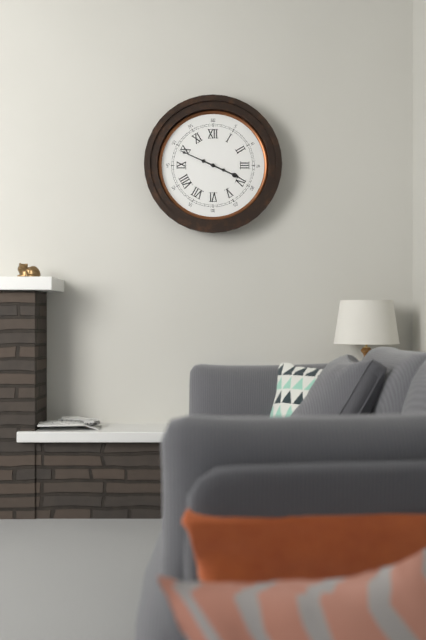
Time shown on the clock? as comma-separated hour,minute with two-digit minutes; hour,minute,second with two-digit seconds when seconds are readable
3,49
